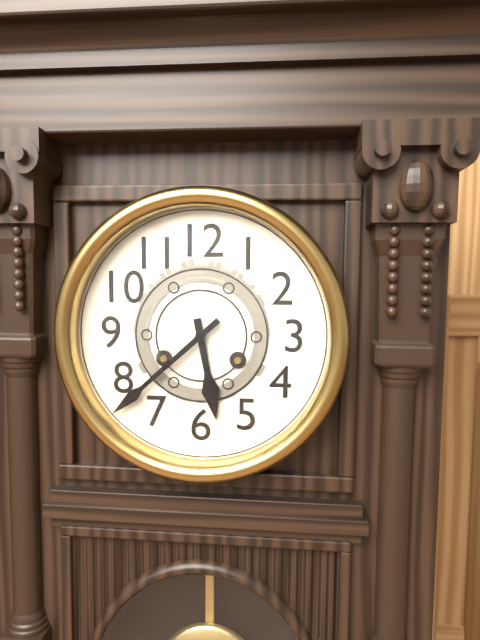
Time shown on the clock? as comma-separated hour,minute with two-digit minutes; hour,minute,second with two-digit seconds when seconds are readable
5,38
